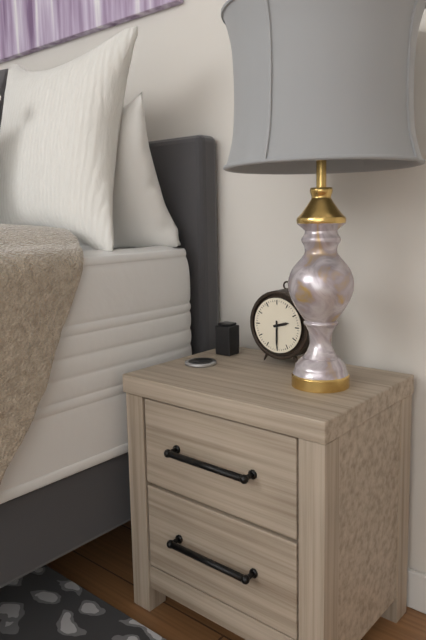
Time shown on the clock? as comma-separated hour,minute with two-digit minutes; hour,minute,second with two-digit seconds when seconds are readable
2,30
